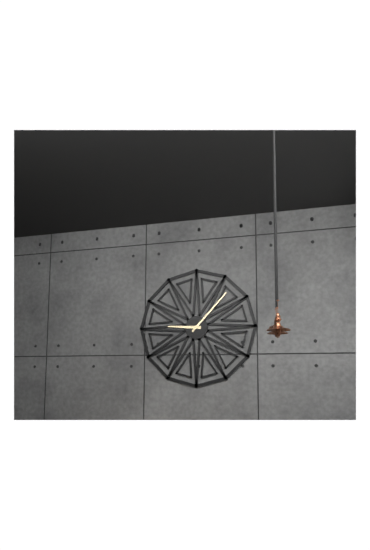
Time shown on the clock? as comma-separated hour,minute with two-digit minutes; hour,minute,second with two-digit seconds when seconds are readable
9,07
